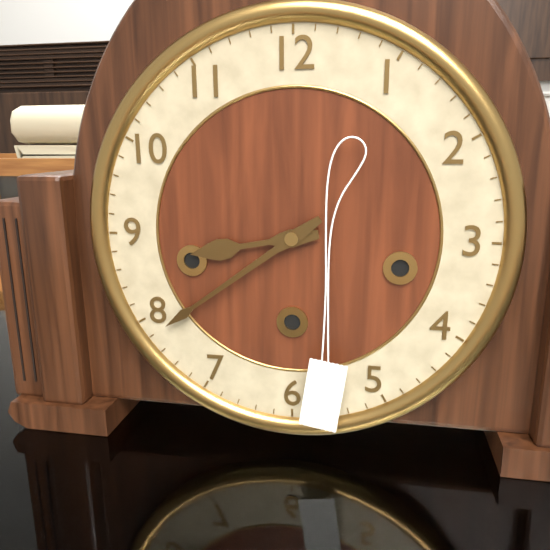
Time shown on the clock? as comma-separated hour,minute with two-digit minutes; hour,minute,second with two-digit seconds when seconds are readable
8,39
